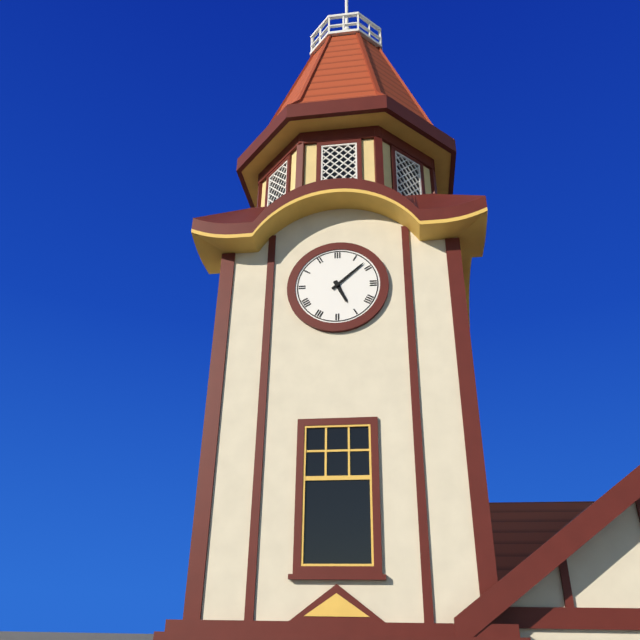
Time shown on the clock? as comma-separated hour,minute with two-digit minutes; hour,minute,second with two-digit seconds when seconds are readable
5,08
